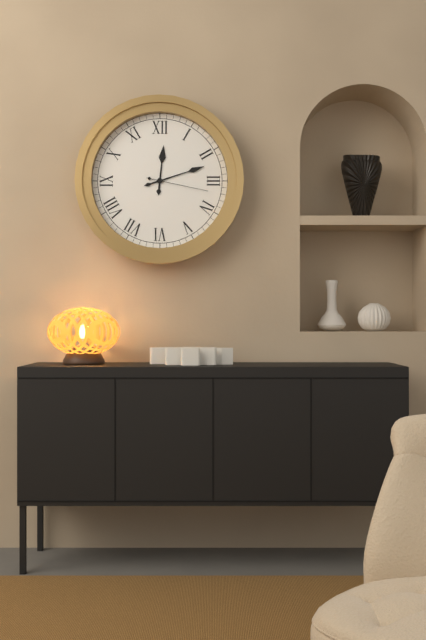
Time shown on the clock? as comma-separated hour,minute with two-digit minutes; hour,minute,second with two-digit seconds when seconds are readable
12,12,17
